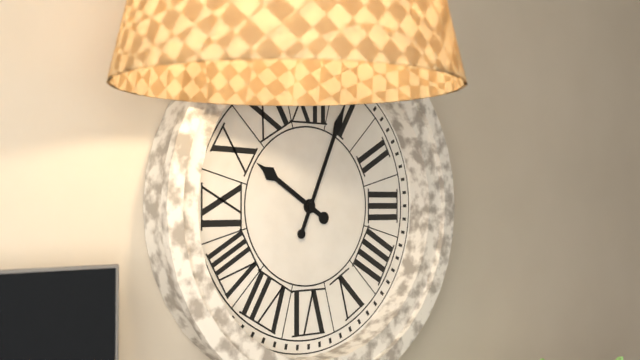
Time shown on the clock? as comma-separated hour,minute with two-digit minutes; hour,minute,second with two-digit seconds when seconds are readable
10,04
